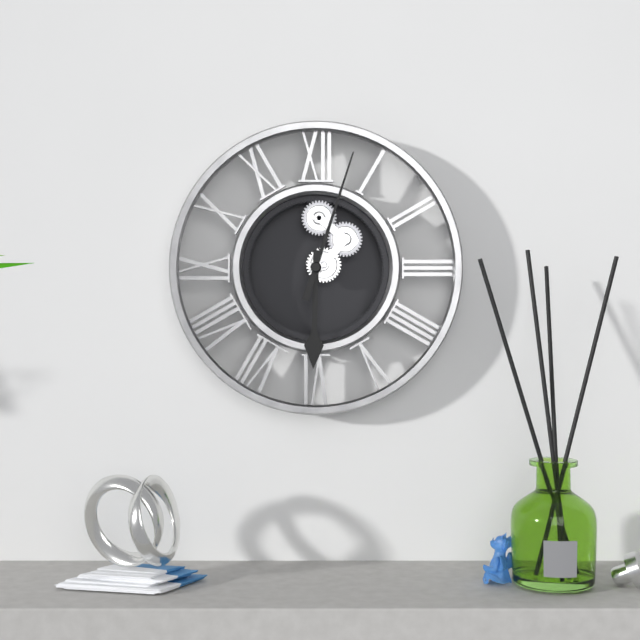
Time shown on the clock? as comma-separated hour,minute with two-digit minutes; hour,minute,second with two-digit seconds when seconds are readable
6,03
